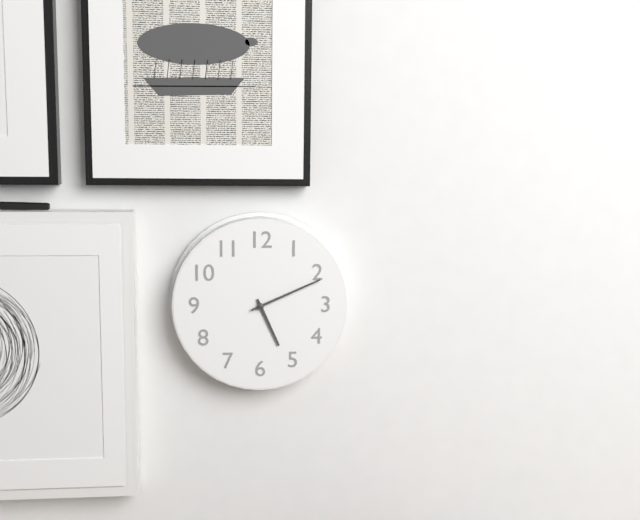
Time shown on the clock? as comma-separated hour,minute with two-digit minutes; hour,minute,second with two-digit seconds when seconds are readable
5,11
